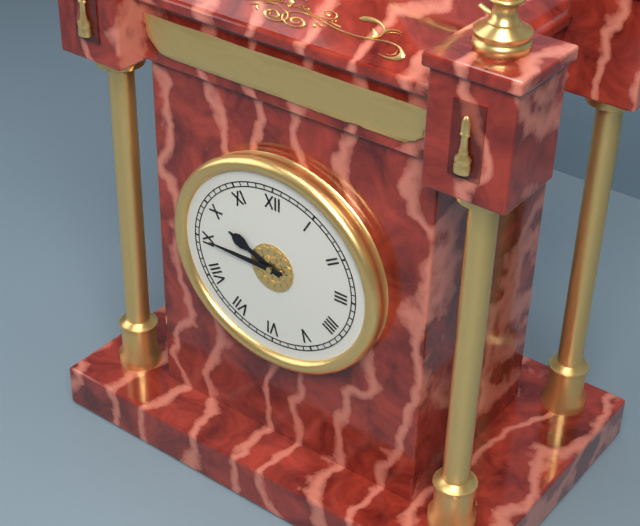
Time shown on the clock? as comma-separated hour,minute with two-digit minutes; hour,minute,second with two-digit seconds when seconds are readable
9,45
